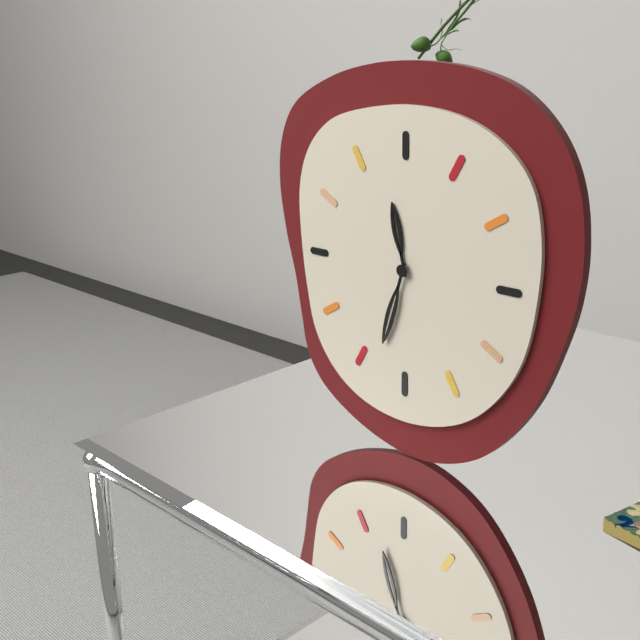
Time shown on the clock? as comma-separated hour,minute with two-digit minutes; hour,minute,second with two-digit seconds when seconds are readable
11,33
